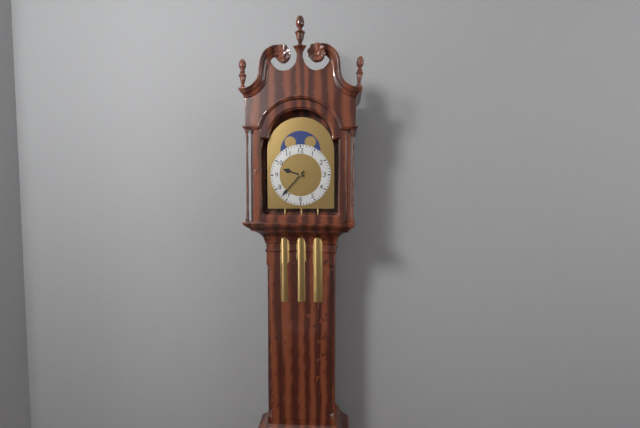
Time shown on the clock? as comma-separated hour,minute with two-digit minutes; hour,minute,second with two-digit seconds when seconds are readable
9,37
